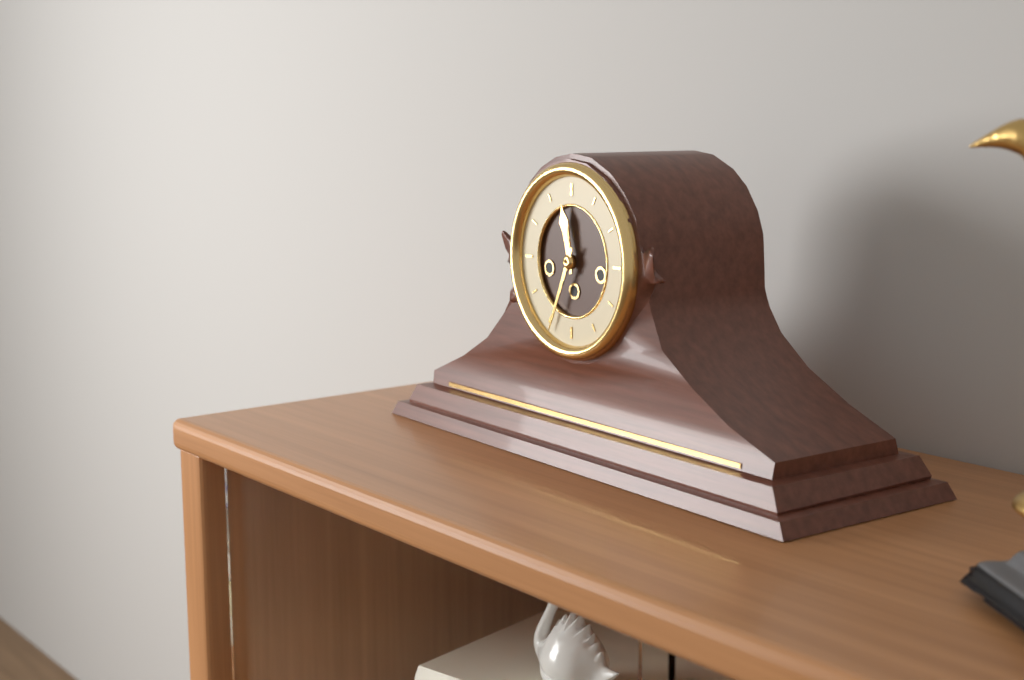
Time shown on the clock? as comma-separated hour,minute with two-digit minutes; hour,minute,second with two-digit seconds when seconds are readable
11,34
